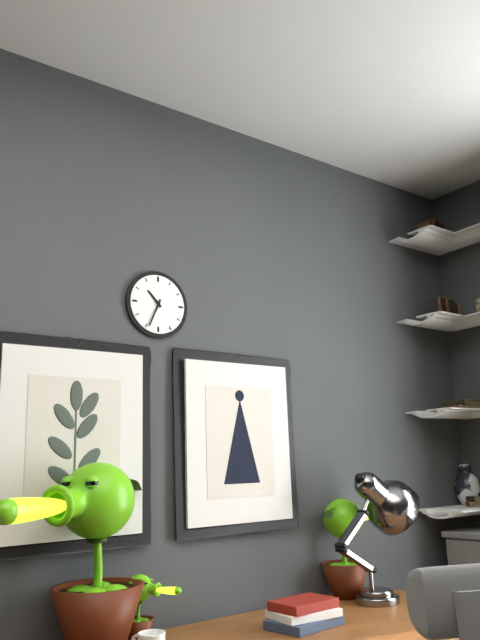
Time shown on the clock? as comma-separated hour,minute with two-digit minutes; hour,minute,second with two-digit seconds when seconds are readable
10,34
